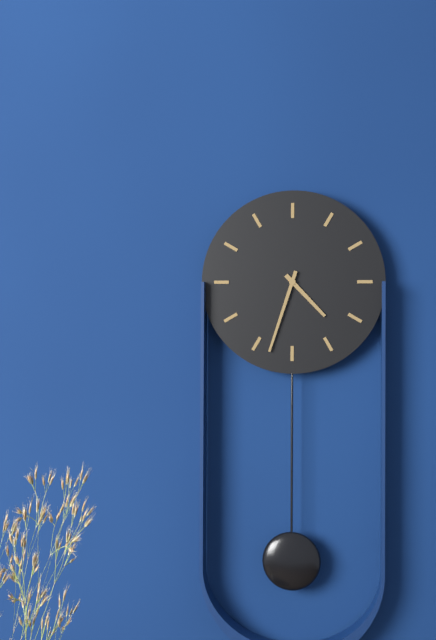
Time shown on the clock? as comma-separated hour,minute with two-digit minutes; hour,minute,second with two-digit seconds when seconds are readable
4,33
